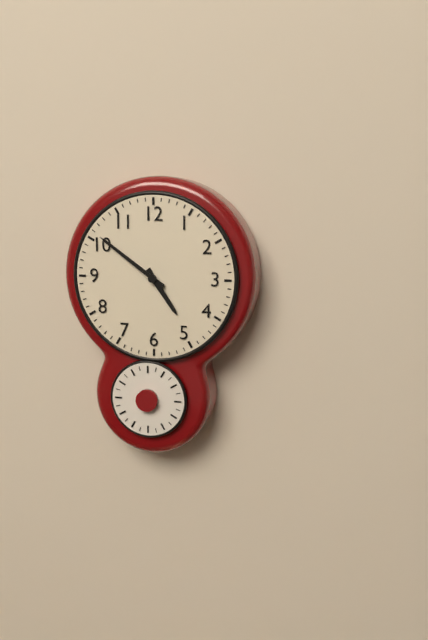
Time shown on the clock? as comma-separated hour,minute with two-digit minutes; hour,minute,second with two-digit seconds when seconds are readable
4,51
